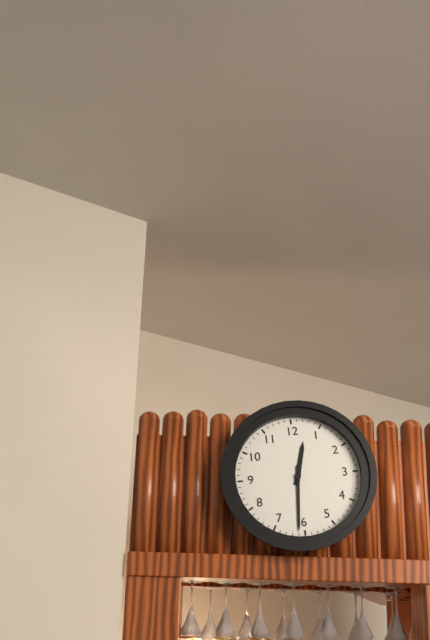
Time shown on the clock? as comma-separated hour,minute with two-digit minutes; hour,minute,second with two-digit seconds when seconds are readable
12,31
